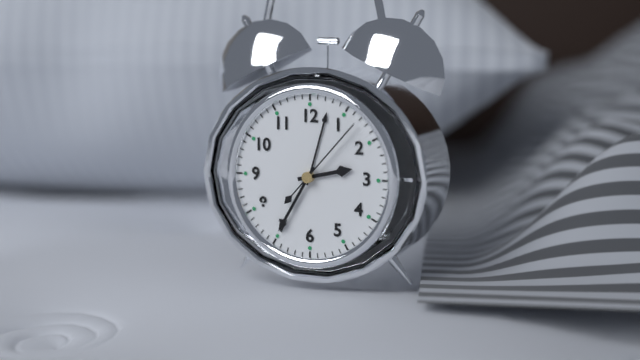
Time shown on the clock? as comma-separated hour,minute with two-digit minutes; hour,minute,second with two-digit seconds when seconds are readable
2,35,07
